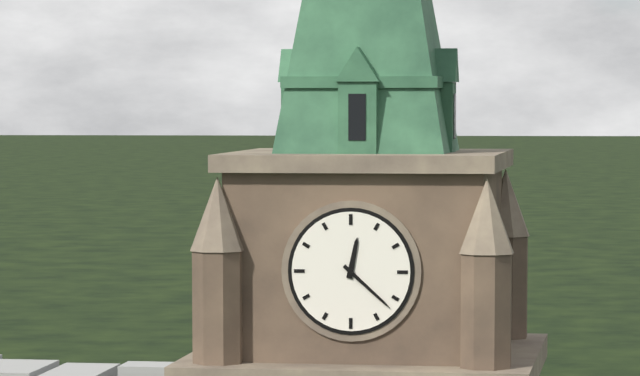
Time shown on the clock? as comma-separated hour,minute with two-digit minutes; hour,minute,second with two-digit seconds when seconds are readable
12,22
